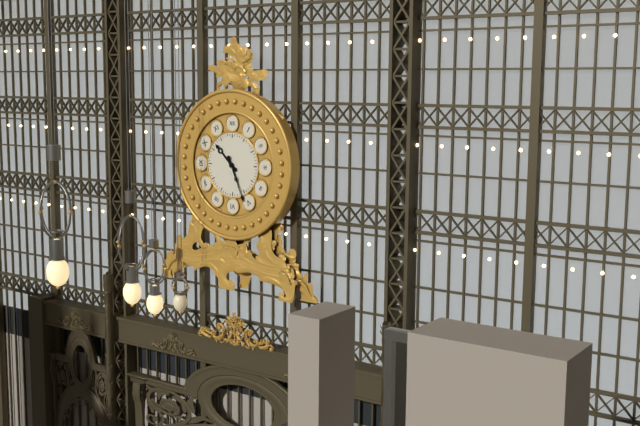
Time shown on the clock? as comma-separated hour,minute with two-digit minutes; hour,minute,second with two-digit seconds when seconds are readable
10,26
